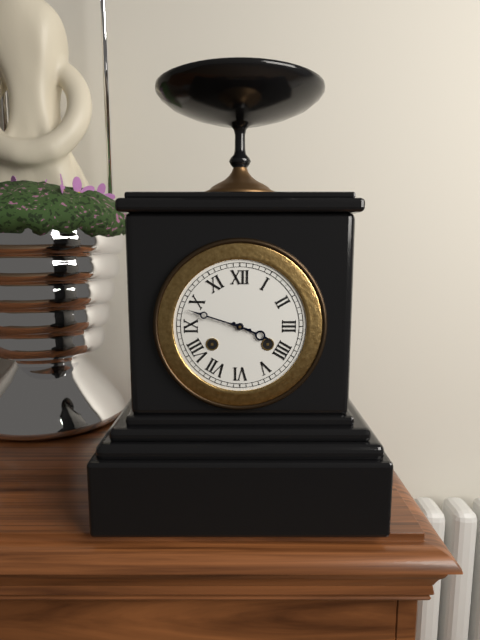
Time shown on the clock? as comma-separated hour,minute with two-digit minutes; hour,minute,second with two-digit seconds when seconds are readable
3,48
